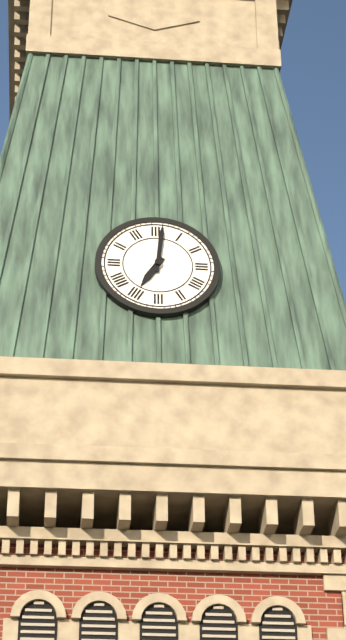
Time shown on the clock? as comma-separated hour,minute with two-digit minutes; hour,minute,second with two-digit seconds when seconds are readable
7,01
